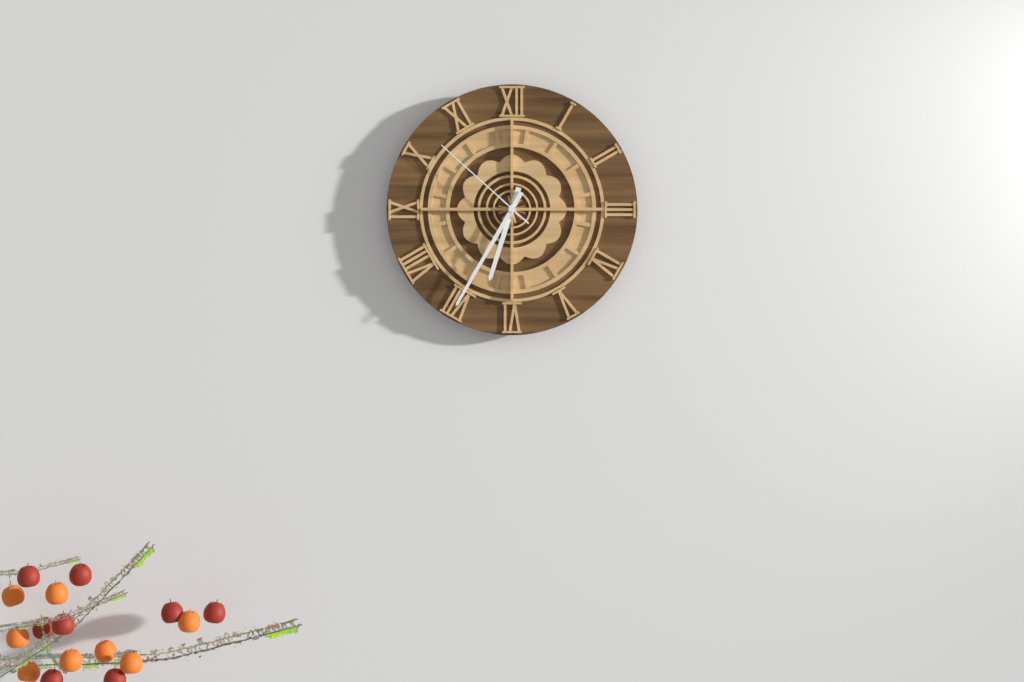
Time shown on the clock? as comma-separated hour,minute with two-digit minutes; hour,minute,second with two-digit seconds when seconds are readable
6,35,52
